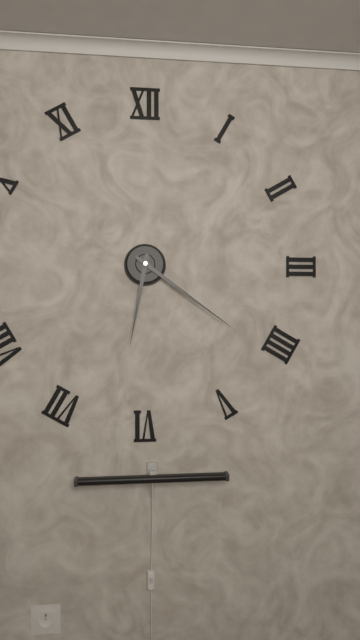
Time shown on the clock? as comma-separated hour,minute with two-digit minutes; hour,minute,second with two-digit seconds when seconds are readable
6,21
